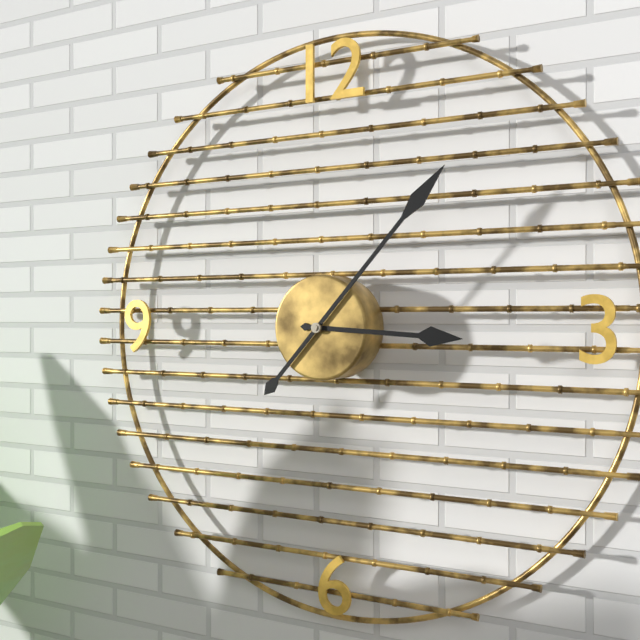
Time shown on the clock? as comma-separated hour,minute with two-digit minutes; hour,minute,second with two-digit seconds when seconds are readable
3,07
